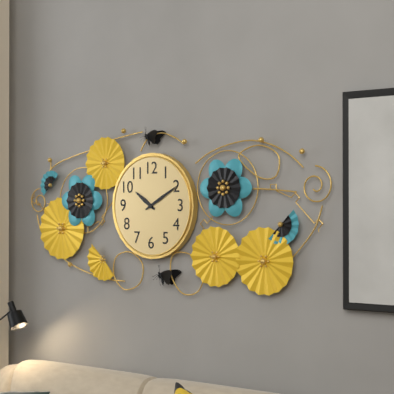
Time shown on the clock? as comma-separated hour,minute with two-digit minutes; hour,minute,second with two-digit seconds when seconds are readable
10,10
